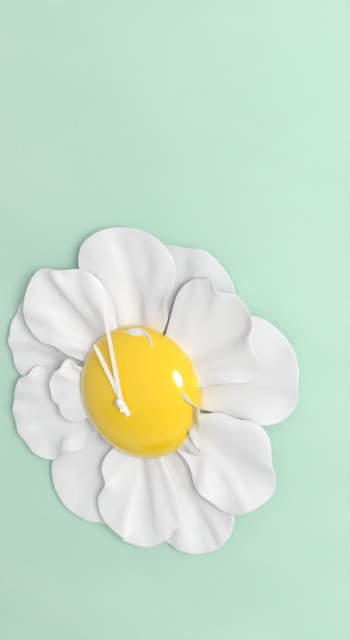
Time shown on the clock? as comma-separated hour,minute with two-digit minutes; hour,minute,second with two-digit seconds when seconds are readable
10,58
